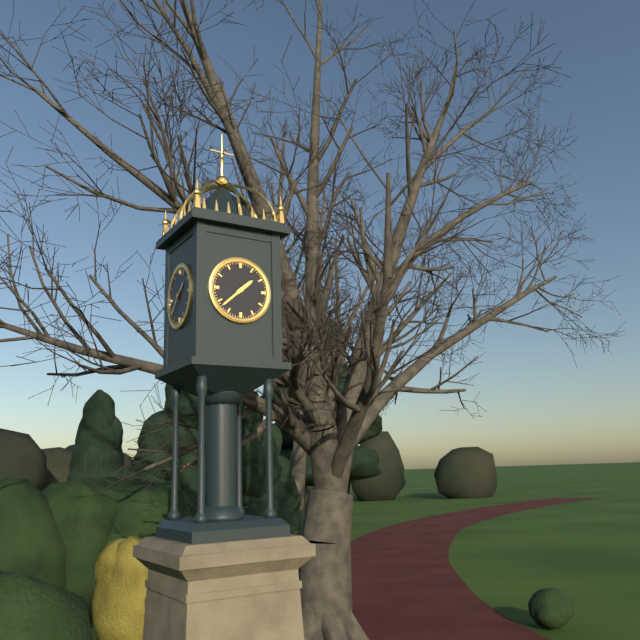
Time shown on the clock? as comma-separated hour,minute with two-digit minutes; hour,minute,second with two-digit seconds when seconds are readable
1,38
